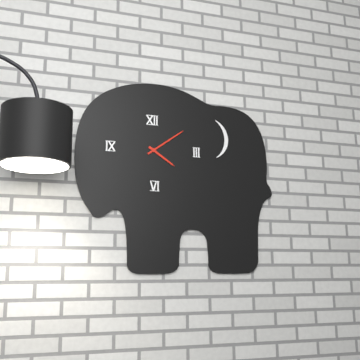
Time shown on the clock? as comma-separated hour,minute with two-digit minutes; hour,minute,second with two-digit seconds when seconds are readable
4,09
